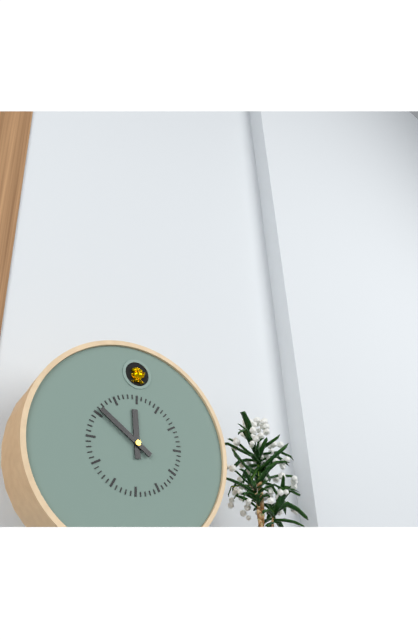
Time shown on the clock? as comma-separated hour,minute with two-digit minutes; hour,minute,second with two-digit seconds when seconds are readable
11,51
